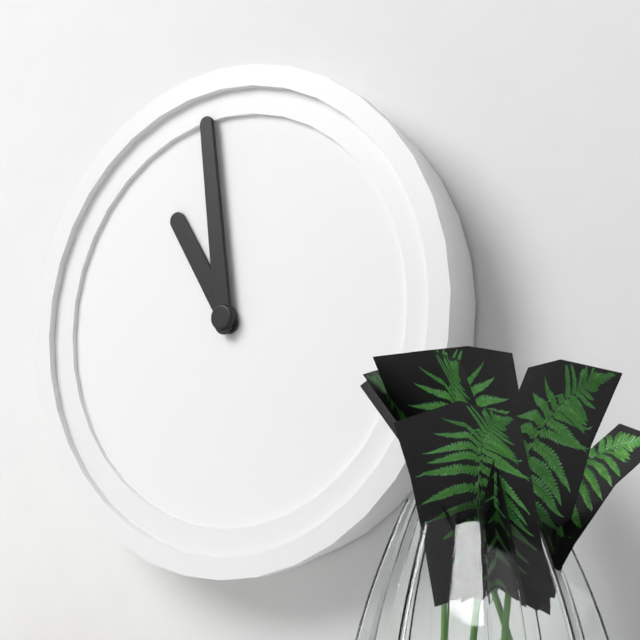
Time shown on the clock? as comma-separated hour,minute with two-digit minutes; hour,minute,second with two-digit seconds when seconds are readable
10,59
